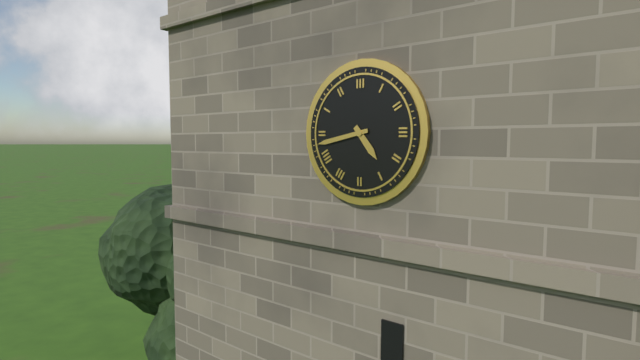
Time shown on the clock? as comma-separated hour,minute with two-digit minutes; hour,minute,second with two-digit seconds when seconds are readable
4,43
